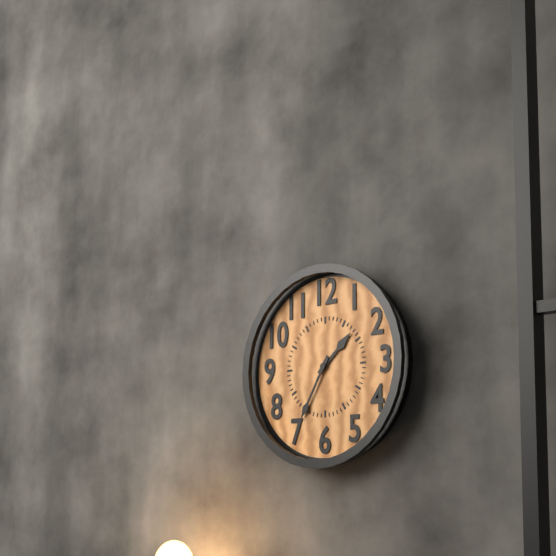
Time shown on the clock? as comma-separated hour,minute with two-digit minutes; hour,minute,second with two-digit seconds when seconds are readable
1,35
